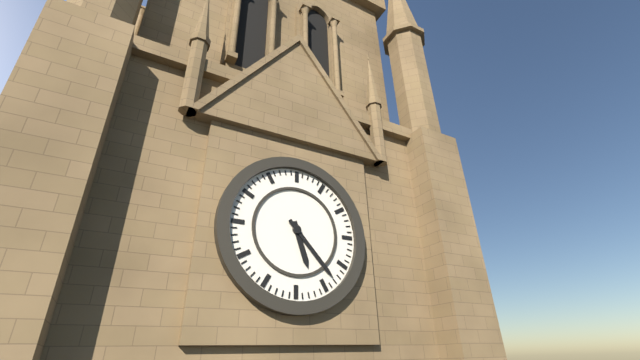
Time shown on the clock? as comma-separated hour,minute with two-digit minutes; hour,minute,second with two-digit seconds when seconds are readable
5,23
